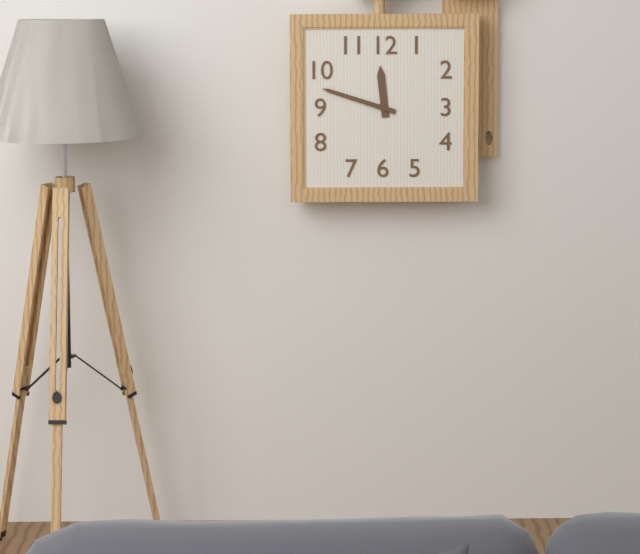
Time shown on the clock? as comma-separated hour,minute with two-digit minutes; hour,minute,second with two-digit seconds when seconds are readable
11,48
